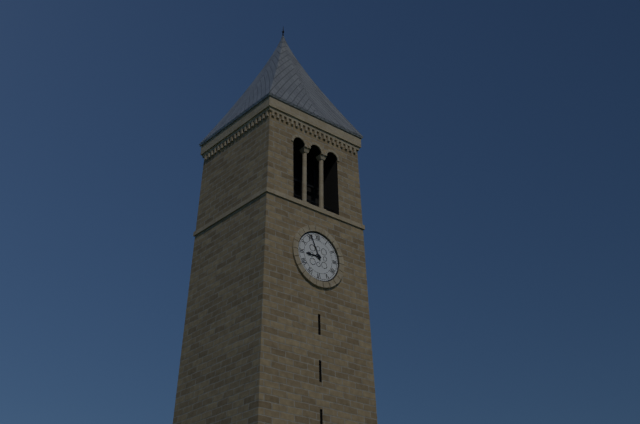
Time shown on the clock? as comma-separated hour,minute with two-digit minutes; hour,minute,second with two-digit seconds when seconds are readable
8,56
